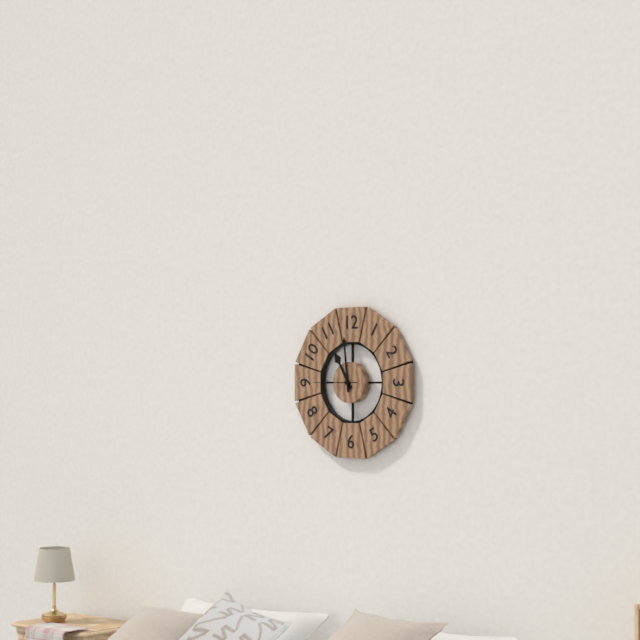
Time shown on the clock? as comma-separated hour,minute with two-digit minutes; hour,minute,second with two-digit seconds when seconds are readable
10,59
